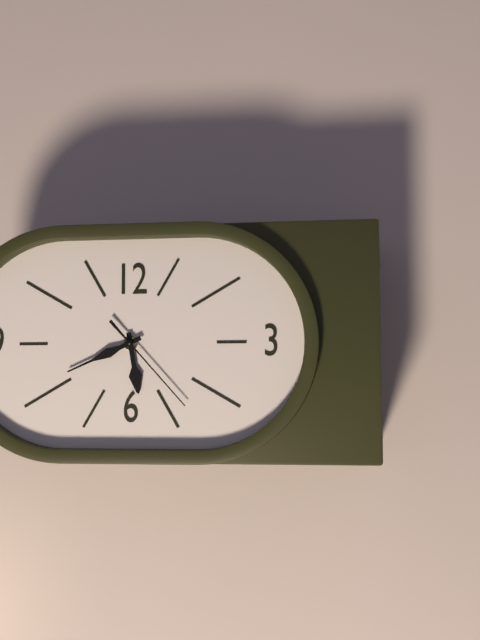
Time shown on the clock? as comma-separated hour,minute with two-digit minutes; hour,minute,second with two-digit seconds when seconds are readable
5,41,23
